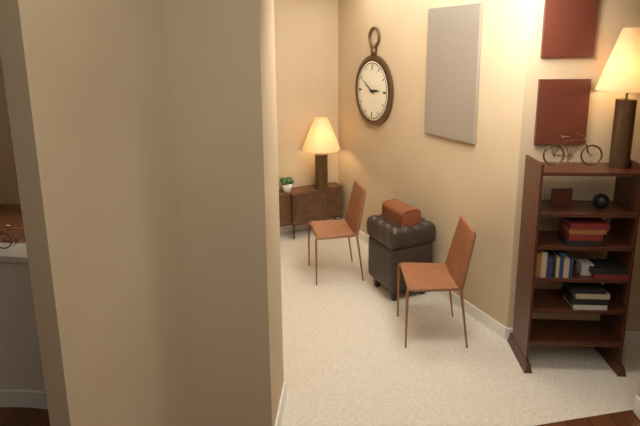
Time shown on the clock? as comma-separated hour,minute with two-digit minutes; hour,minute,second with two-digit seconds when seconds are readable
2,50
